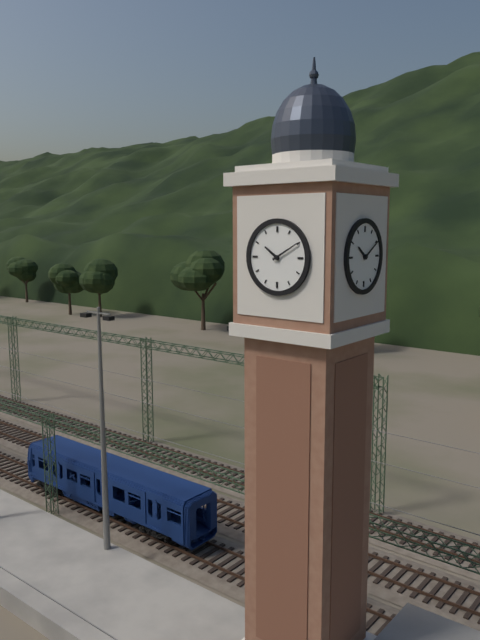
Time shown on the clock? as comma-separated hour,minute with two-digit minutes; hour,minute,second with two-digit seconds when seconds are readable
10,10
